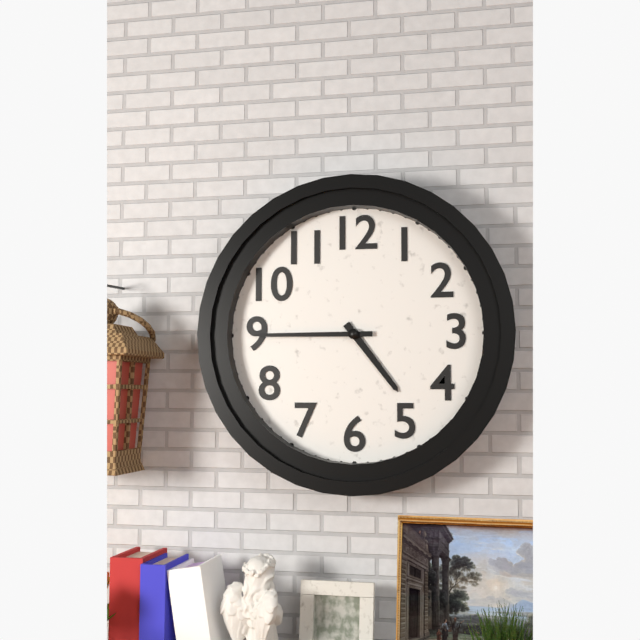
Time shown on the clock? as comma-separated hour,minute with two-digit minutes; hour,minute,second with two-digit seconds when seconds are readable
4,45
